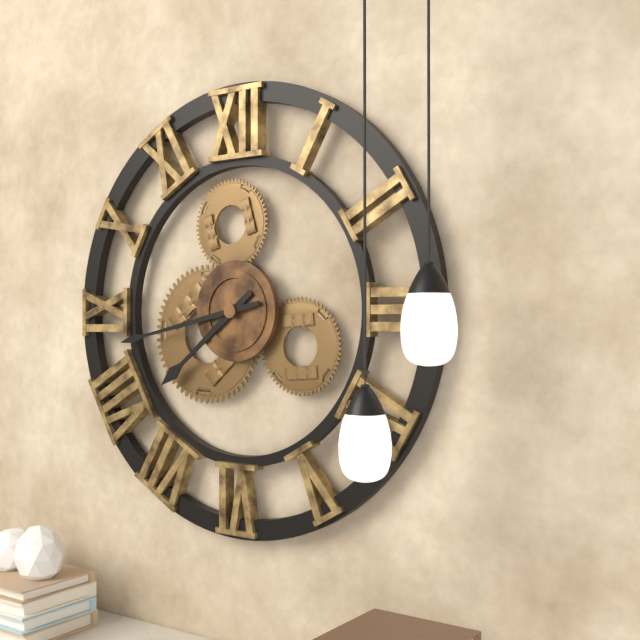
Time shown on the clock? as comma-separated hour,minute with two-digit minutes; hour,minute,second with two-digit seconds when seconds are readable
7,43
